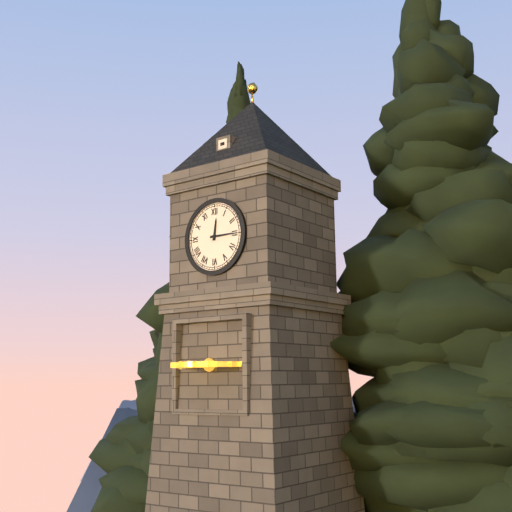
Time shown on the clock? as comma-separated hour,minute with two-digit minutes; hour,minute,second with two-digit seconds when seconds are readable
12,15
